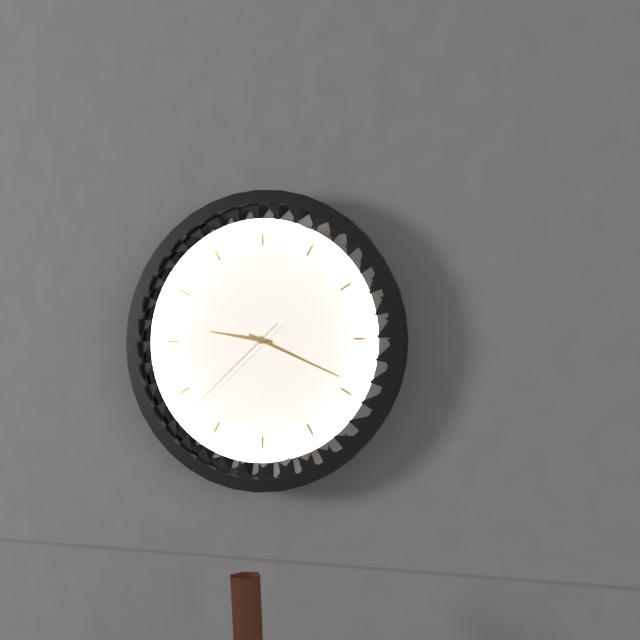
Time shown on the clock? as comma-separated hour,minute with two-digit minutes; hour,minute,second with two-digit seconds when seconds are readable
9,19,38
